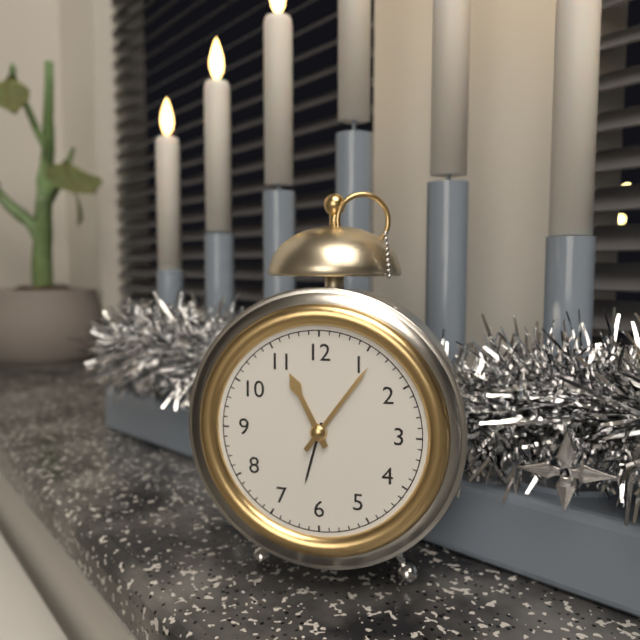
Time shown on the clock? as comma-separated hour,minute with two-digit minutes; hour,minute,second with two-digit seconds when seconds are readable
11,06
